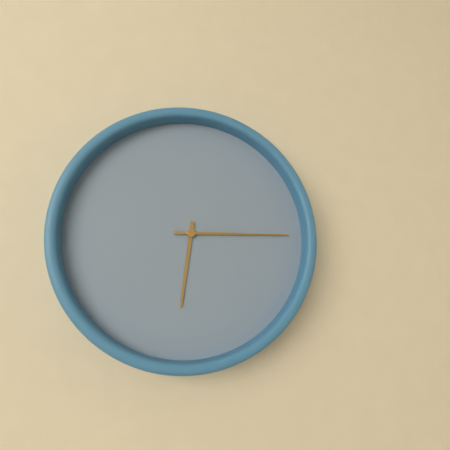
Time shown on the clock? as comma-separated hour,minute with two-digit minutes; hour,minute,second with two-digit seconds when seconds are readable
6,15
